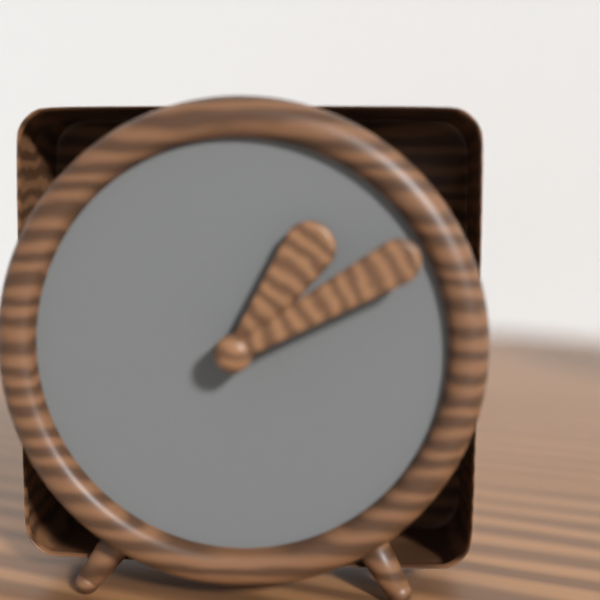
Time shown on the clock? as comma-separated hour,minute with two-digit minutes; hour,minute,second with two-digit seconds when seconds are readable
1,10
